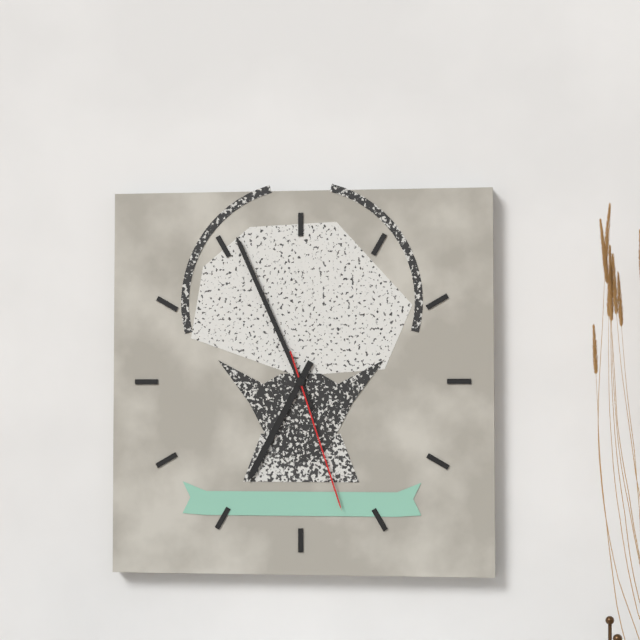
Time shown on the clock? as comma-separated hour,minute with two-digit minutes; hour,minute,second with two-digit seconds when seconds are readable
6,56,27
